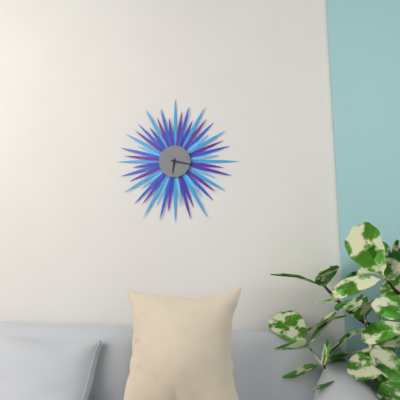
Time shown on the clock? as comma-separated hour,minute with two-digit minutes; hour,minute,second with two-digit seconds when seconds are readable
6,17
